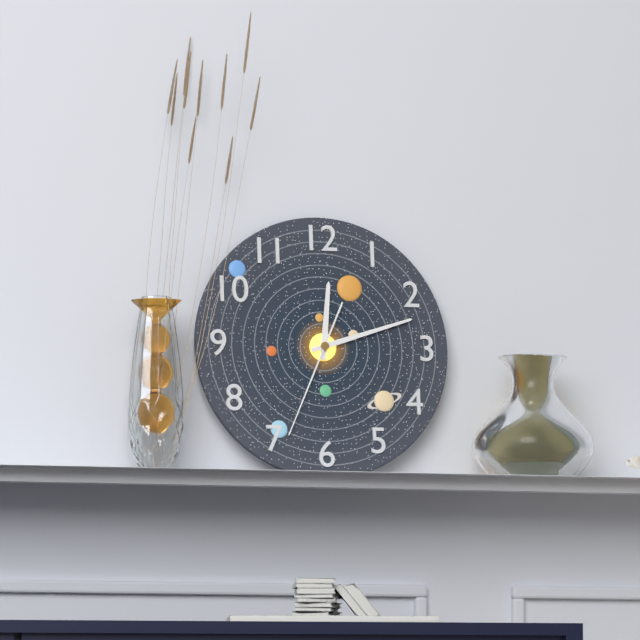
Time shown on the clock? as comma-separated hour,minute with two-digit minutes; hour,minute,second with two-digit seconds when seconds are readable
12,12,34
